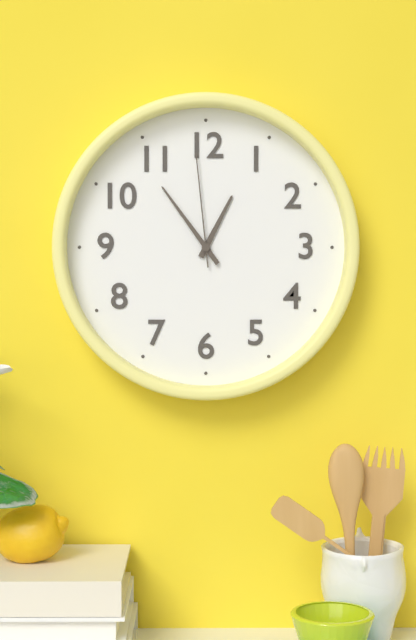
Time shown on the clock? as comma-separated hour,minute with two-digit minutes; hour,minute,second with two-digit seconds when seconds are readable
12,54,59
